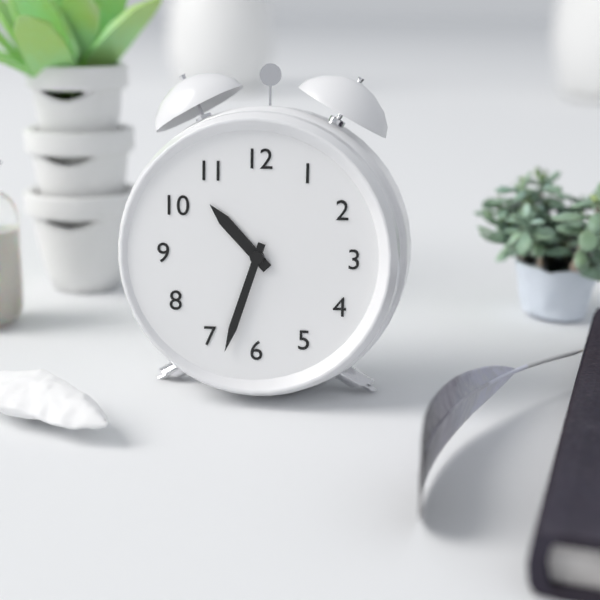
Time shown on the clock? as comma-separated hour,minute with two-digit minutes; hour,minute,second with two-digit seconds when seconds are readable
10,33
